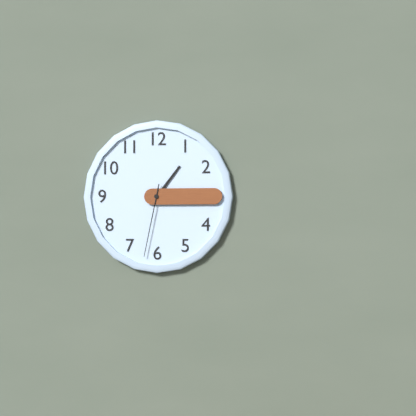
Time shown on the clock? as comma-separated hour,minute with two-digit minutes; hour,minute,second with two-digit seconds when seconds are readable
1,15,32
